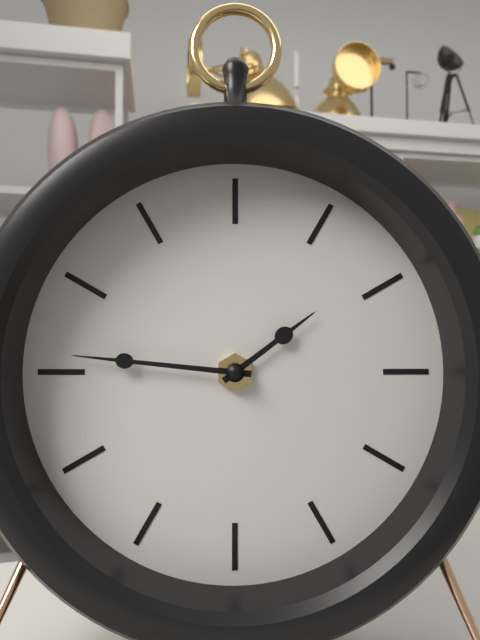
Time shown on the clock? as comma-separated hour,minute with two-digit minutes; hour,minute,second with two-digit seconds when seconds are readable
1,46
